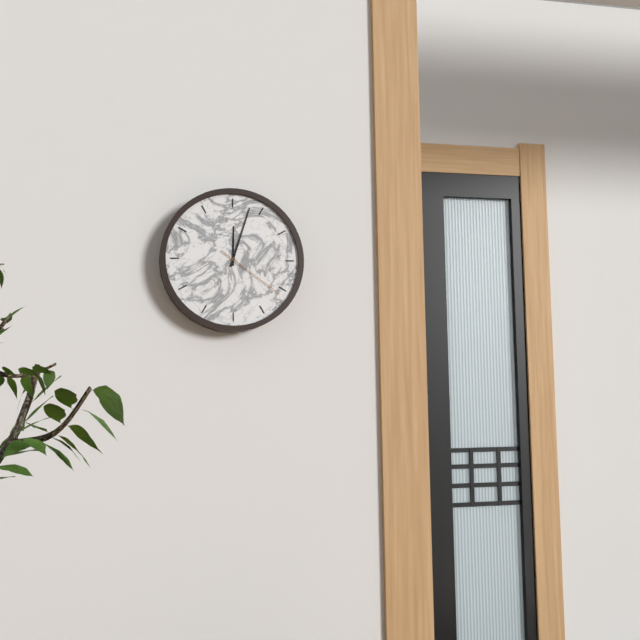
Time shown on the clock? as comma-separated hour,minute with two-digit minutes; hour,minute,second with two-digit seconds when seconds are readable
12,03,21
